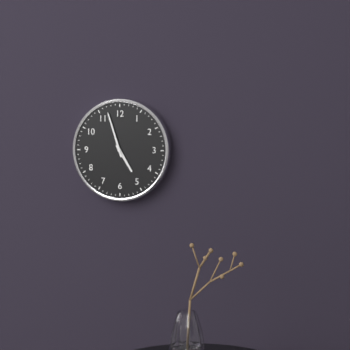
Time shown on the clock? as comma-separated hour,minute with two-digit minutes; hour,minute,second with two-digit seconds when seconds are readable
4,57
